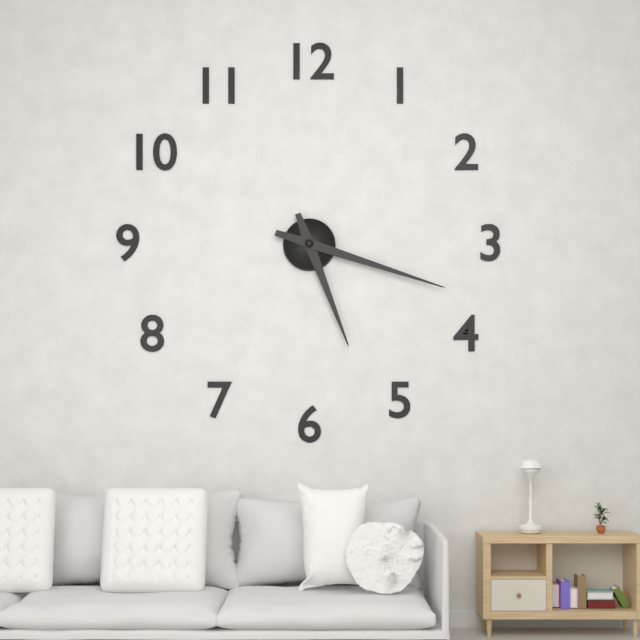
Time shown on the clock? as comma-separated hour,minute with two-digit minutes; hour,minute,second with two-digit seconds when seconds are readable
5,18
